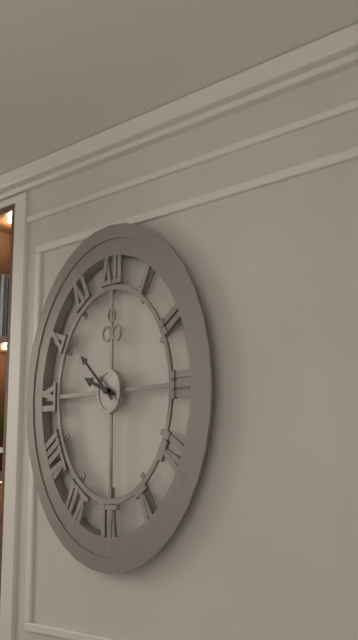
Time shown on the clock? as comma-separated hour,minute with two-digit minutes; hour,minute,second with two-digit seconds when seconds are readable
9,53
